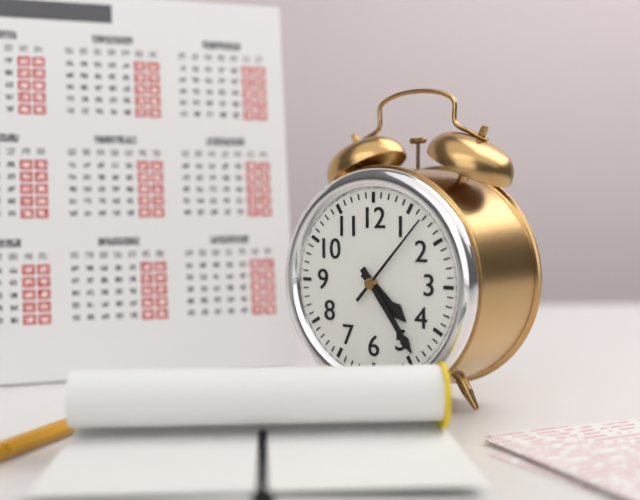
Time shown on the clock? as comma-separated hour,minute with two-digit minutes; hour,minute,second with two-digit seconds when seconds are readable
4,24,07
